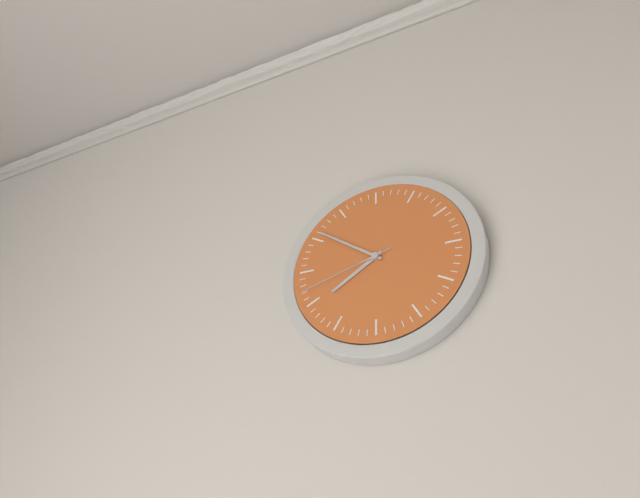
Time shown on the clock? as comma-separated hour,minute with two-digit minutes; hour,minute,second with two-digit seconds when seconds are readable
7,51,42
